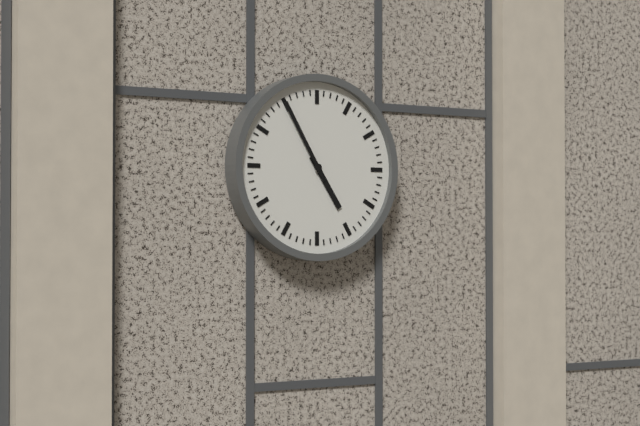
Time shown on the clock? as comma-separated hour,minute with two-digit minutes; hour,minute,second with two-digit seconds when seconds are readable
4,55
